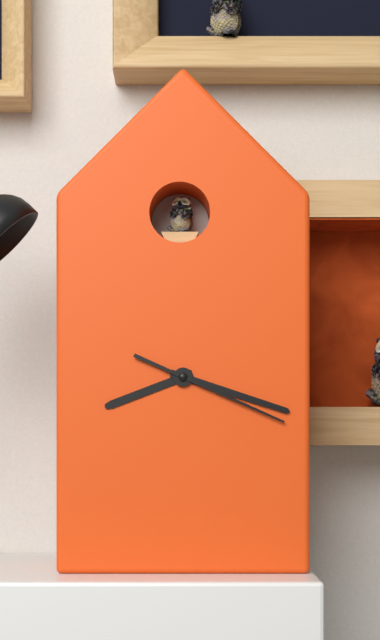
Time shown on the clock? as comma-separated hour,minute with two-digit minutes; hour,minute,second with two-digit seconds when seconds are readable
8,18,19
